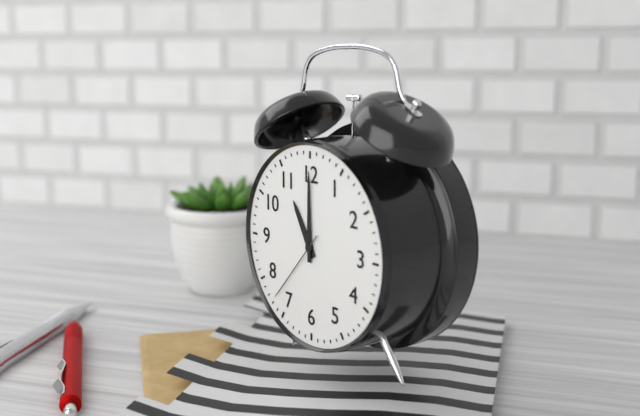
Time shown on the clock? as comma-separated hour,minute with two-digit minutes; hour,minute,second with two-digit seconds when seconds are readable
11,00,37
